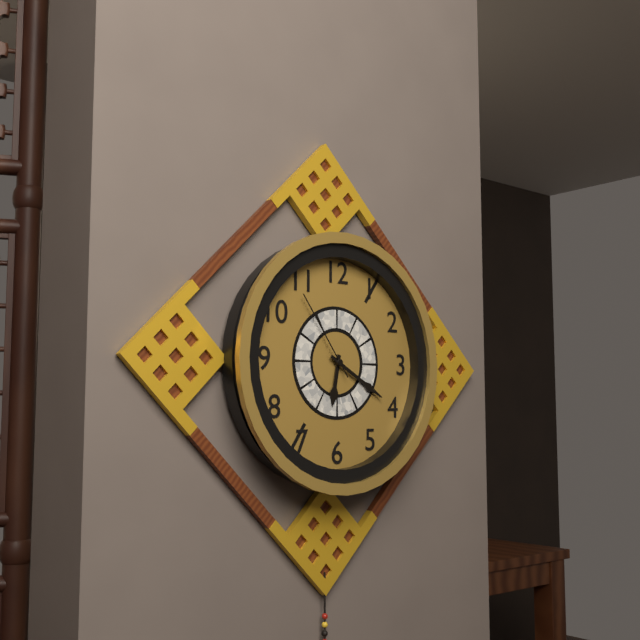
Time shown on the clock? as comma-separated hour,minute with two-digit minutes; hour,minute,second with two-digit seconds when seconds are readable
6,20,54
